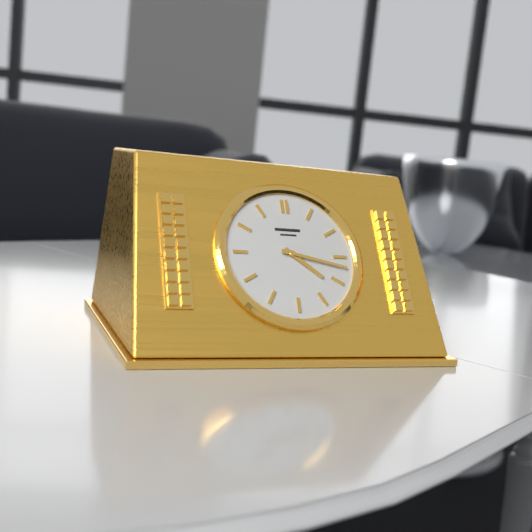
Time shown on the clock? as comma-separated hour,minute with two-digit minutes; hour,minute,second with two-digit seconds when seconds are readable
4,17
